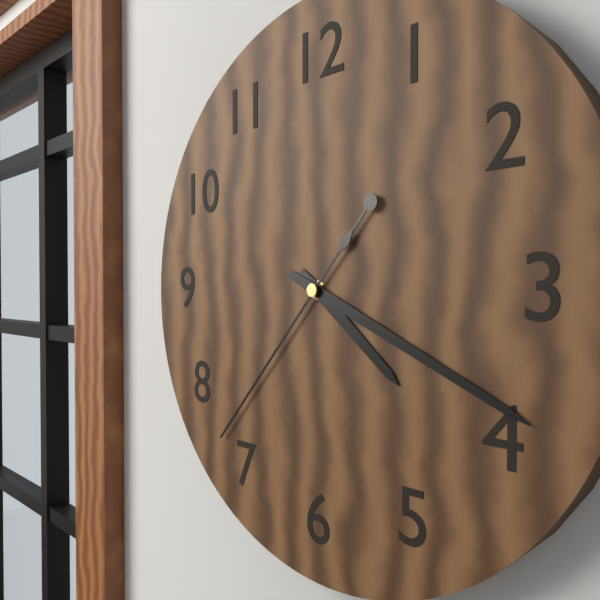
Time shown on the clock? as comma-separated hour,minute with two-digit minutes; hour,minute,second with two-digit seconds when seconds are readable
4,19,37
